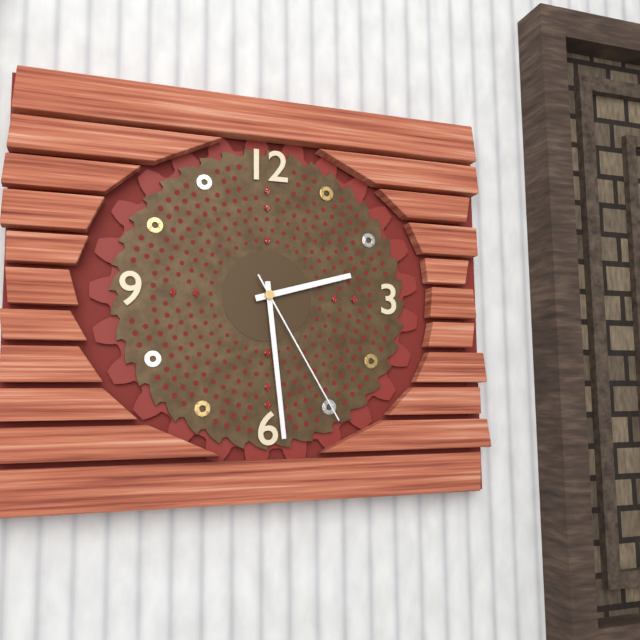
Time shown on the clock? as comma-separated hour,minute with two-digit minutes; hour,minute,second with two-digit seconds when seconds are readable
2,29,25
